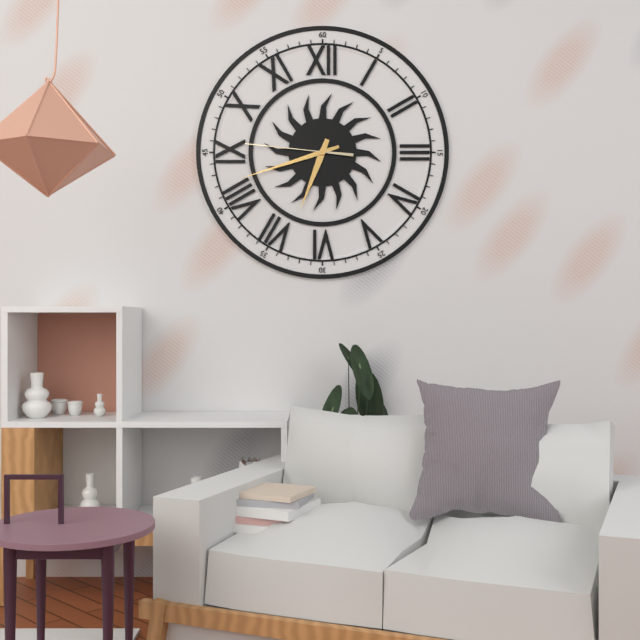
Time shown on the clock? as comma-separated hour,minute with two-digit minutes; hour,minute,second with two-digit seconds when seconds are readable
6,42,46
